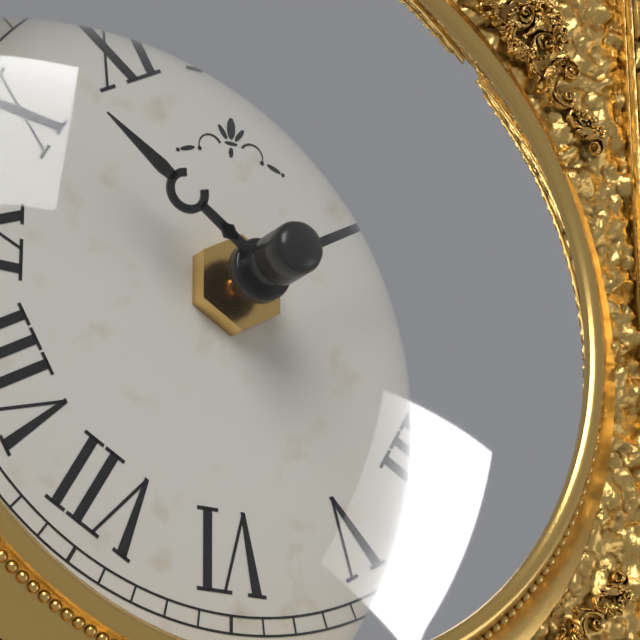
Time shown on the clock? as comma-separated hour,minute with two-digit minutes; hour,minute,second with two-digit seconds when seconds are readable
10,10
